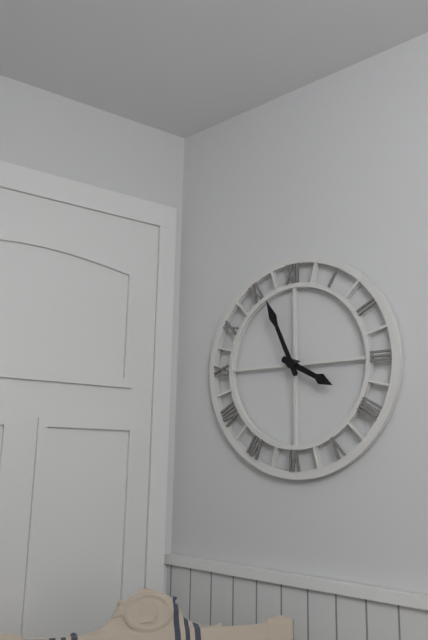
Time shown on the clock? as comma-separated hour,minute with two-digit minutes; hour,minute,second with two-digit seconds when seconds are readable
3,56
